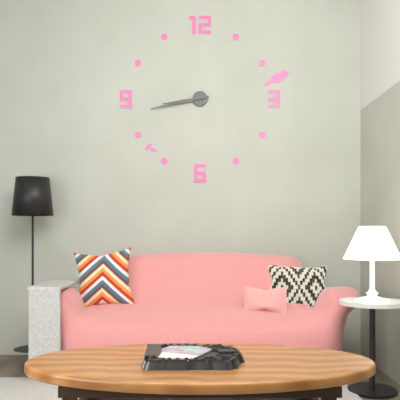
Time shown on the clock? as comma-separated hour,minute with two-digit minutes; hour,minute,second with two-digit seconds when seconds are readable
8,43
